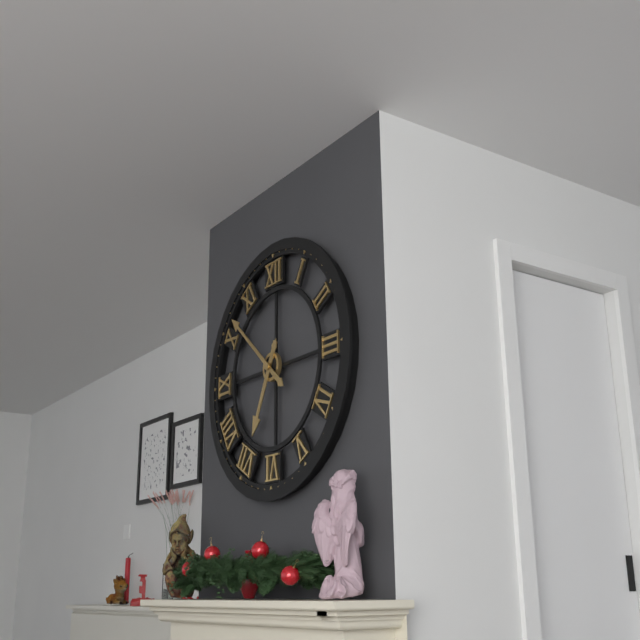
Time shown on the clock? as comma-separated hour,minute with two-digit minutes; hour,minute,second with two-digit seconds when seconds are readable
6,52
